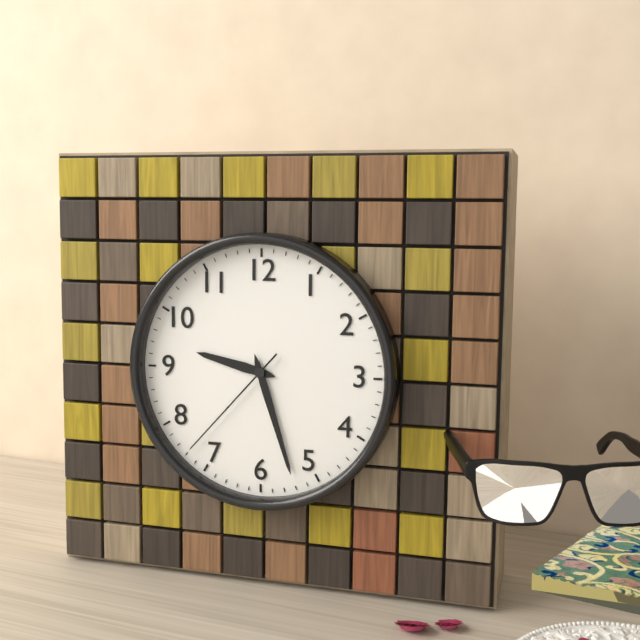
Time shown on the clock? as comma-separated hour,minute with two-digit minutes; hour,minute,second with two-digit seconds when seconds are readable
9,27,37
